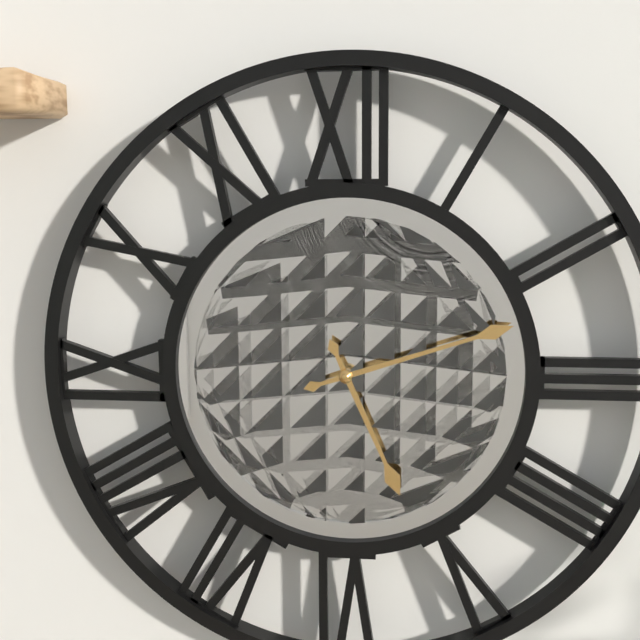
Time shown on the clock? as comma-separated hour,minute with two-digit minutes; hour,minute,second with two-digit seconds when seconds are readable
5,12
